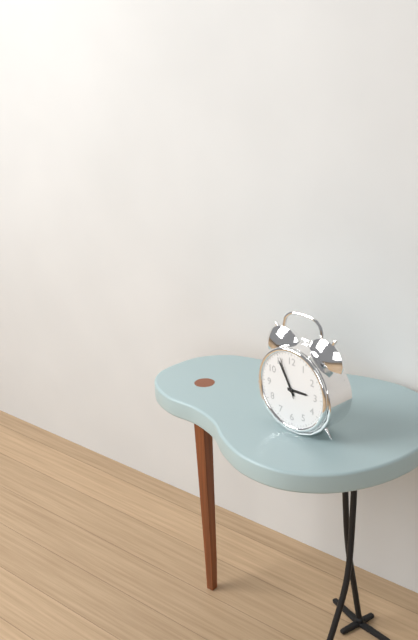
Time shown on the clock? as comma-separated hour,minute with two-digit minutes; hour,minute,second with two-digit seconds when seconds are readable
2,55
